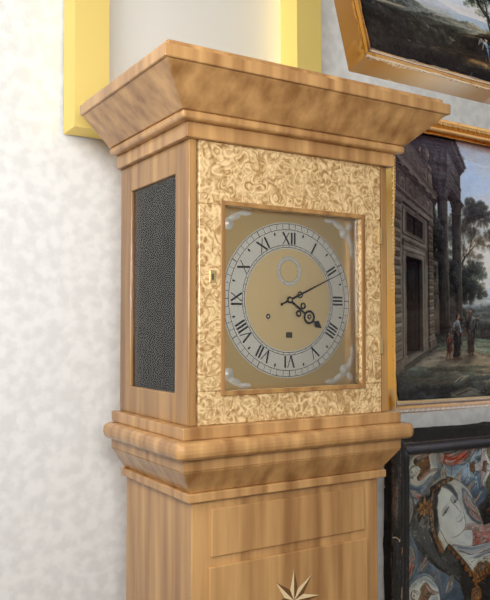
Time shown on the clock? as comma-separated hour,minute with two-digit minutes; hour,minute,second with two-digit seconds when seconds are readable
4,11
